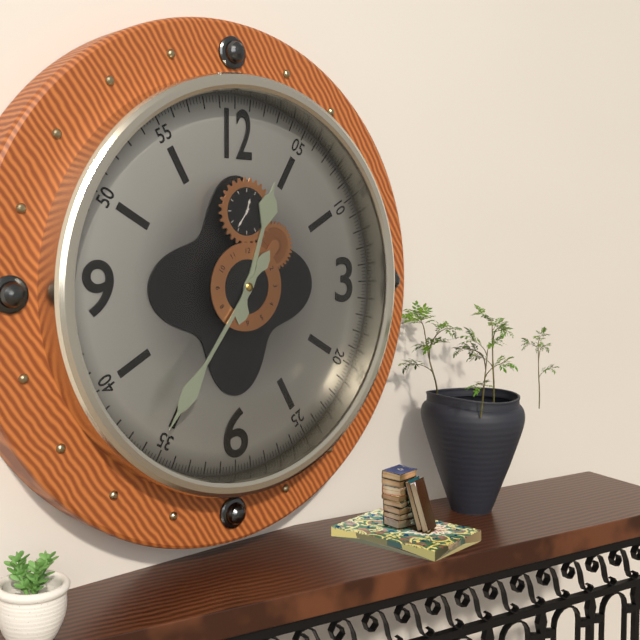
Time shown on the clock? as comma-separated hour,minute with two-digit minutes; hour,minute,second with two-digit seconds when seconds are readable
12,36
